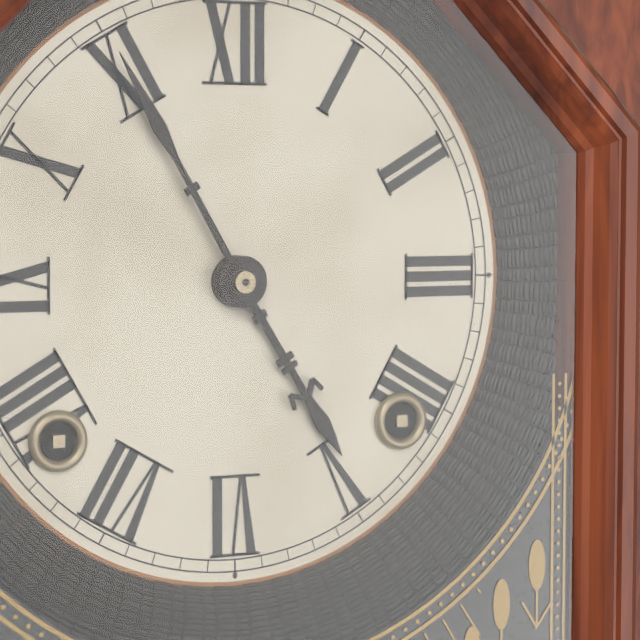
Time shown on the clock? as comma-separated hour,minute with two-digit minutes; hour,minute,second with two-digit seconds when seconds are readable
4,55
